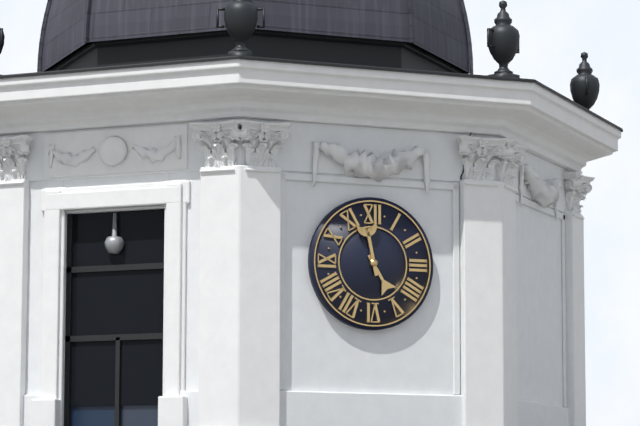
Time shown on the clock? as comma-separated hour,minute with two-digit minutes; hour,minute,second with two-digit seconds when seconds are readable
4,58
